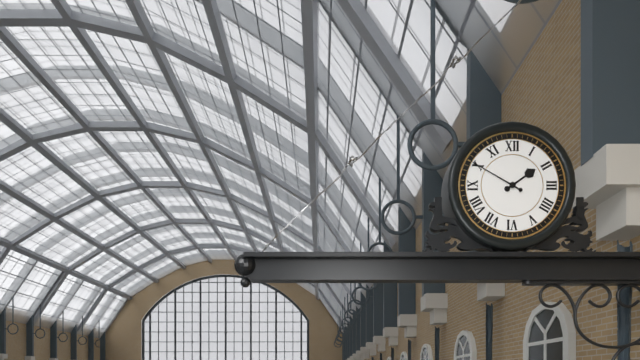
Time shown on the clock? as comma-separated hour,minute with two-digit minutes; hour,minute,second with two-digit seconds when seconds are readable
1,50
